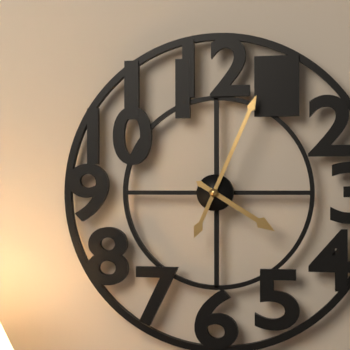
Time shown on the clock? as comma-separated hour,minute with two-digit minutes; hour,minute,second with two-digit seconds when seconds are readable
4,04
